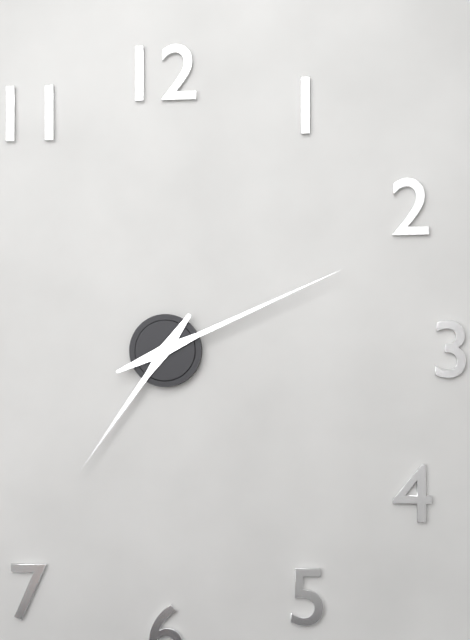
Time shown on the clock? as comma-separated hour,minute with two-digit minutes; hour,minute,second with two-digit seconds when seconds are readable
7,11
